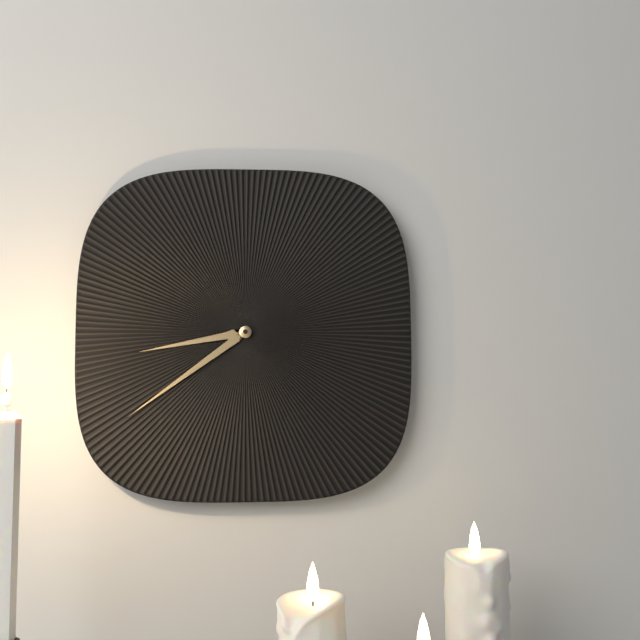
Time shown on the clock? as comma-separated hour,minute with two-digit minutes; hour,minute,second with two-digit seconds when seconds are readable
8,39
